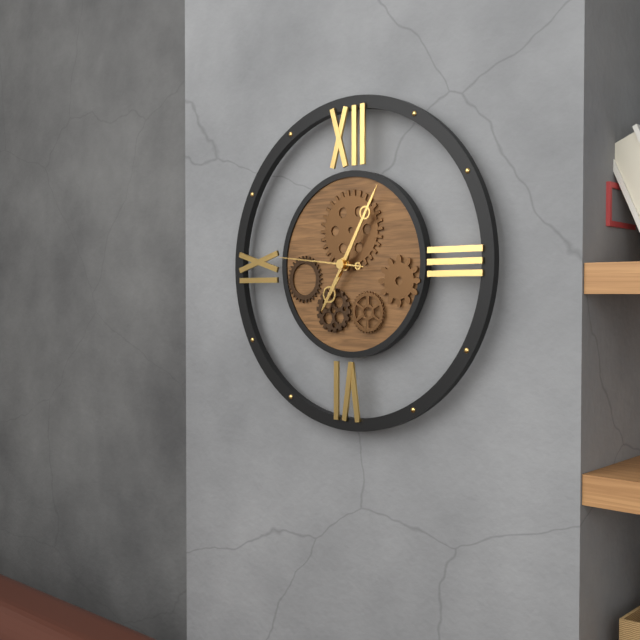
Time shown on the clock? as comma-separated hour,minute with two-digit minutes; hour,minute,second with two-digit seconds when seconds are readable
7,05,46
